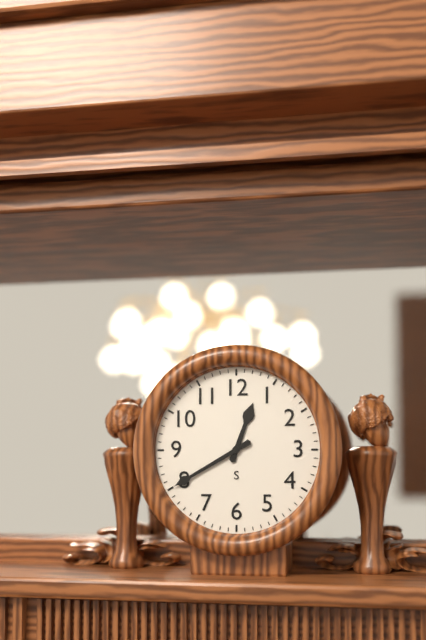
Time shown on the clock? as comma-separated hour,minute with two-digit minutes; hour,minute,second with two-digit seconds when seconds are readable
12,40
